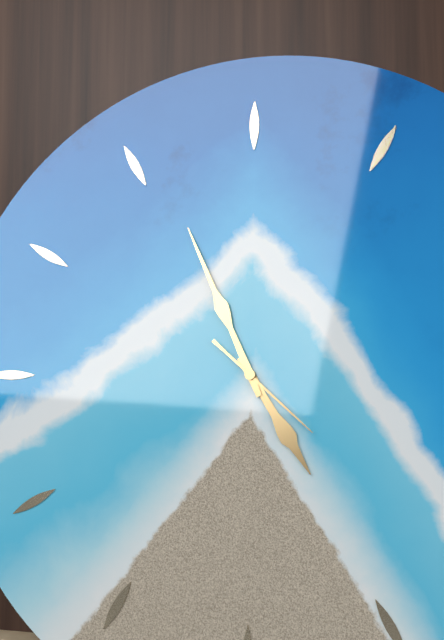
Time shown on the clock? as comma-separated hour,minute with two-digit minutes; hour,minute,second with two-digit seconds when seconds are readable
4,56,22
